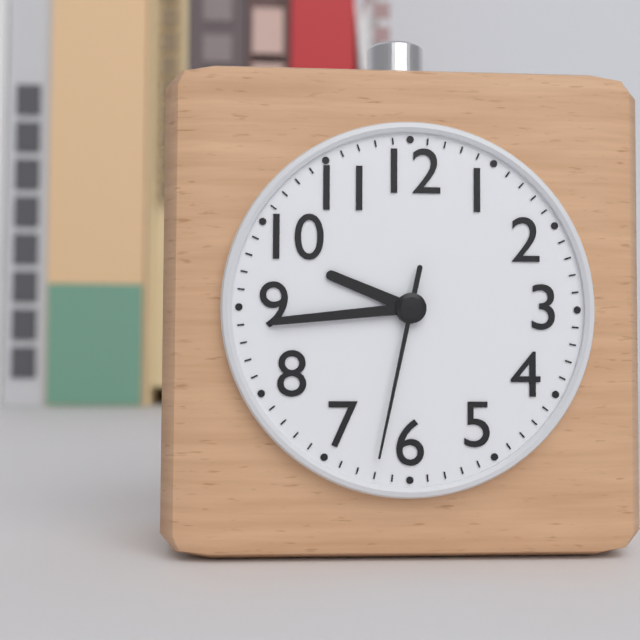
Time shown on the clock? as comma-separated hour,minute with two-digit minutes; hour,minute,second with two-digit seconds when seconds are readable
9,44,32
